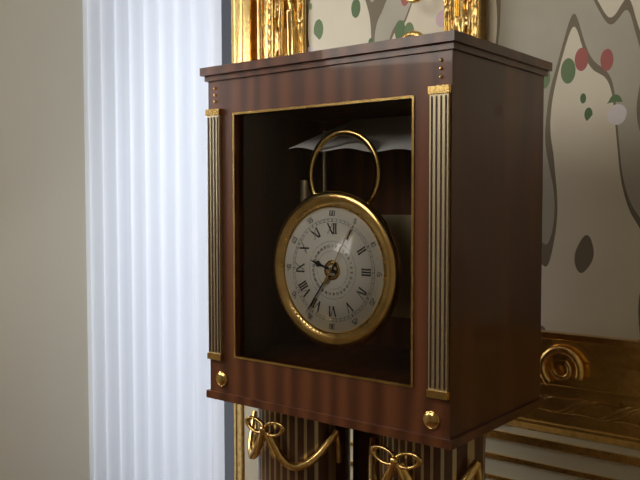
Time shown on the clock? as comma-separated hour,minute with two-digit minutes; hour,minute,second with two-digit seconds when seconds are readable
9,36,05
